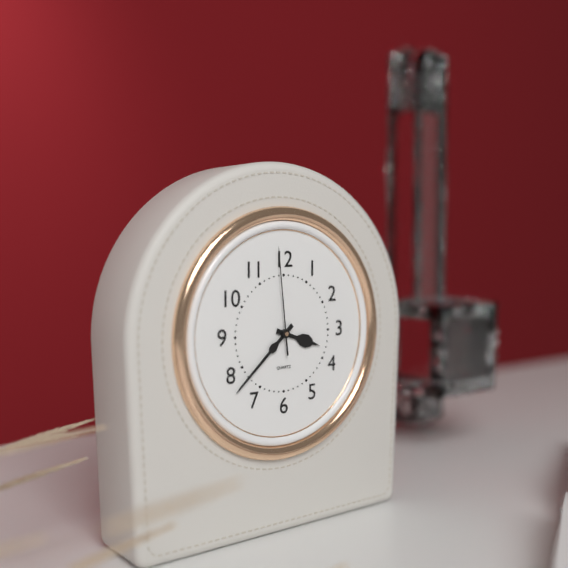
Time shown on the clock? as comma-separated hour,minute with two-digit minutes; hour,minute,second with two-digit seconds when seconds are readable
3,38,59
